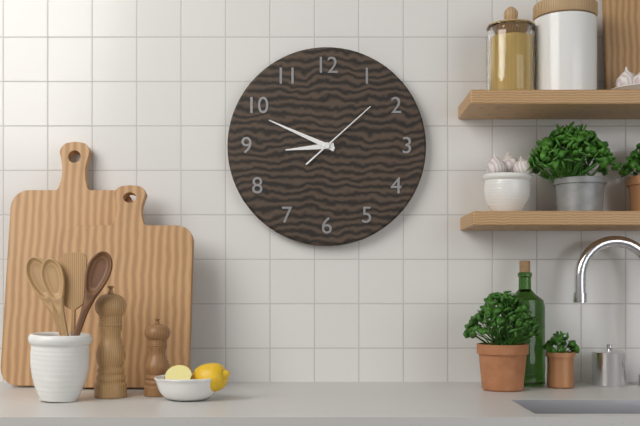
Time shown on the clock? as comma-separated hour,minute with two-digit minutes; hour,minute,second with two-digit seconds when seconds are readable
8,49,08
